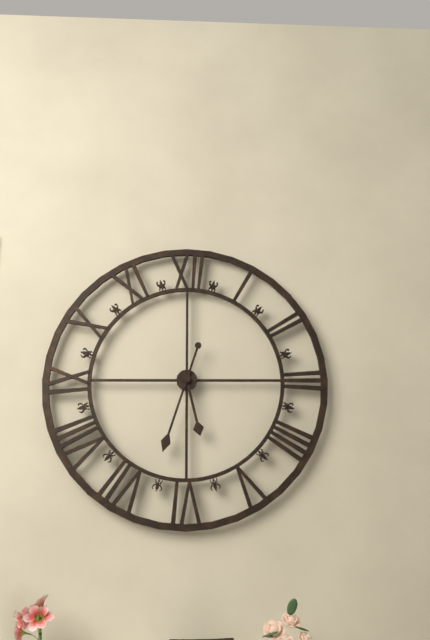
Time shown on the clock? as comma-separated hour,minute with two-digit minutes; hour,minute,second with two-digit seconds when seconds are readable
5,33
